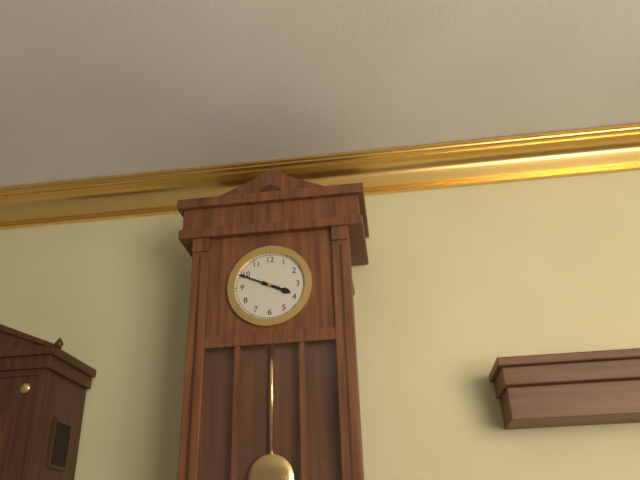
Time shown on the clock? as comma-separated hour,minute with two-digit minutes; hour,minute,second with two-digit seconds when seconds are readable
3,49
